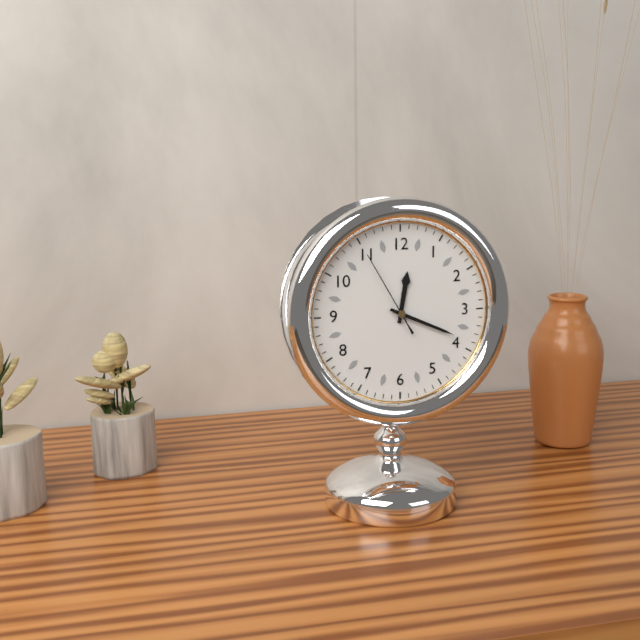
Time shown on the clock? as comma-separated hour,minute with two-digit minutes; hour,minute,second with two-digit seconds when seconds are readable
12,19,55
